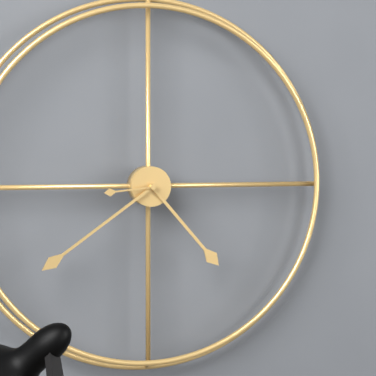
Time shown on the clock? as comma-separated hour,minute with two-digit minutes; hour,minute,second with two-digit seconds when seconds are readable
4,39,44
